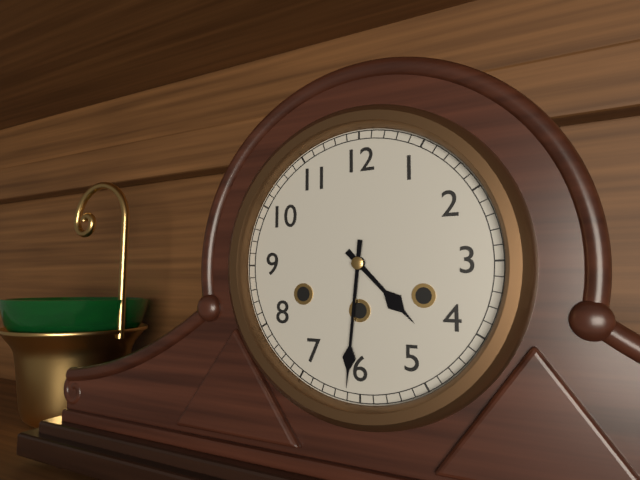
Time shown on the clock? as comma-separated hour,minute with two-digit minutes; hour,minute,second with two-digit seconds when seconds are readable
4,31
